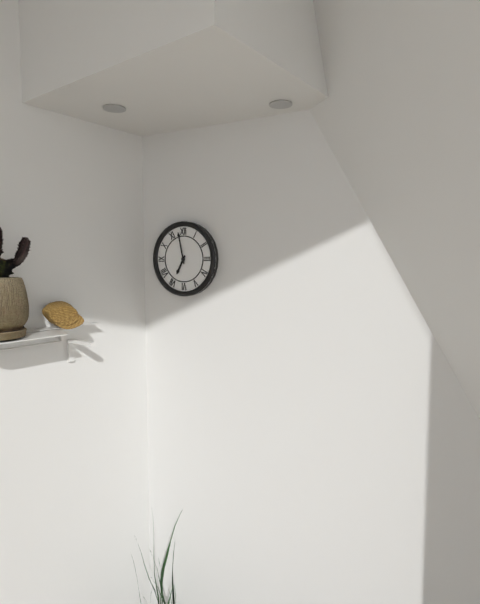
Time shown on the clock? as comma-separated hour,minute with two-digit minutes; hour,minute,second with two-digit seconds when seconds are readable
6,58
